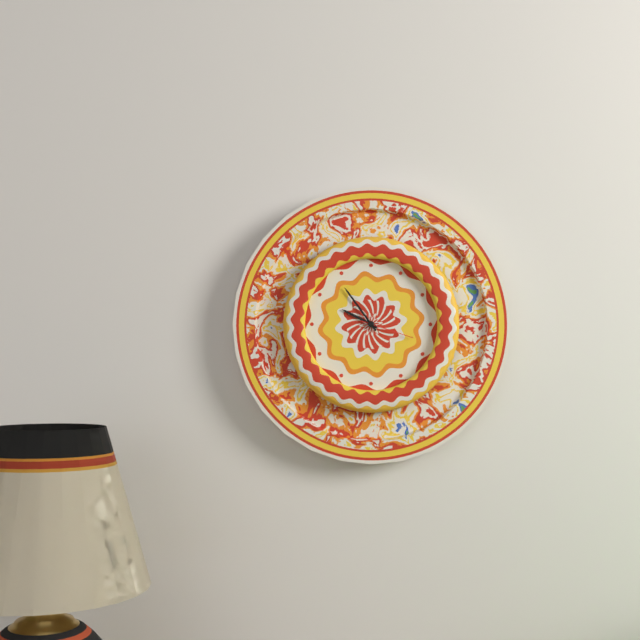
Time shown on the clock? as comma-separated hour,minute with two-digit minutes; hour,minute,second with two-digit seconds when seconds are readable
9,54,18
